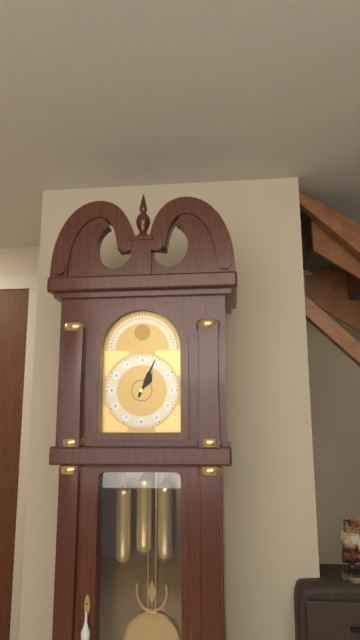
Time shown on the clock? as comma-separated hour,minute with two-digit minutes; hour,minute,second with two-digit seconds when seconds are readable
1,04
